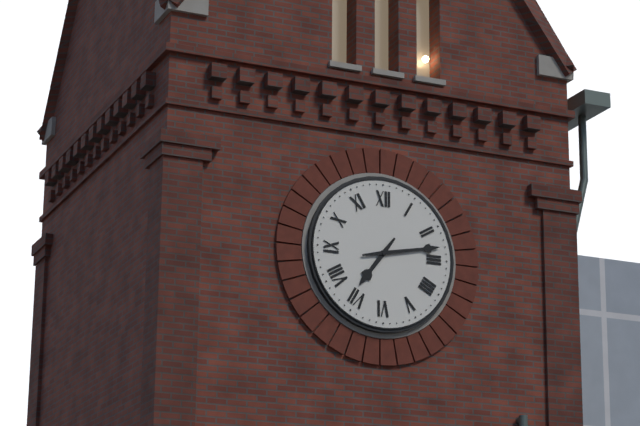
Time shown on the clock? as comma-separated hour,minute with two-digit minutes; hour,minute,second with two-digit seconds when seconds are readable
7,13
